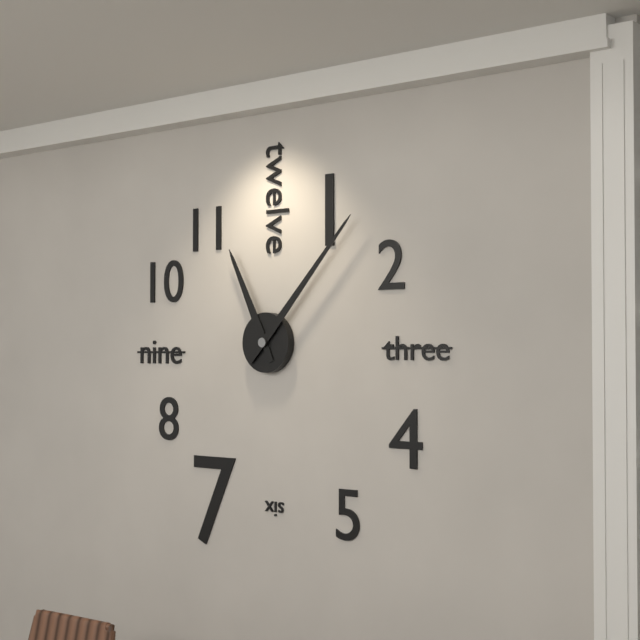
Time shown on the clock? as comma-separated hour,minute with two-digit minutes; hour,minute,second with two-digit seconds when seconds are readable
11,07
